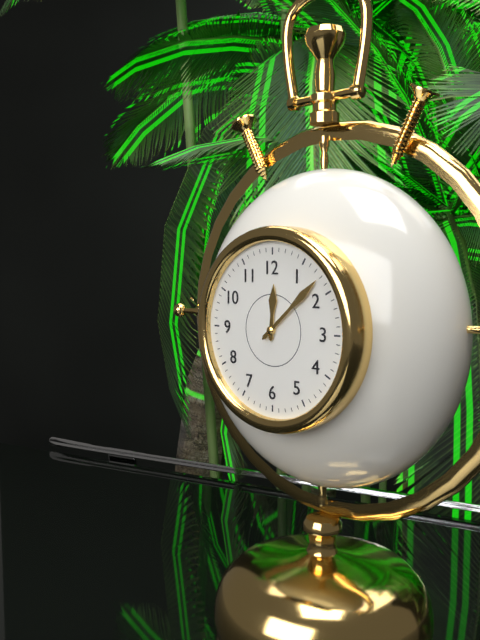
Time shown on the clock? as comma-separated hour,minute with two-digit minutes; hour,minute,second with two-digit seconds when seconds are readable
12,08
